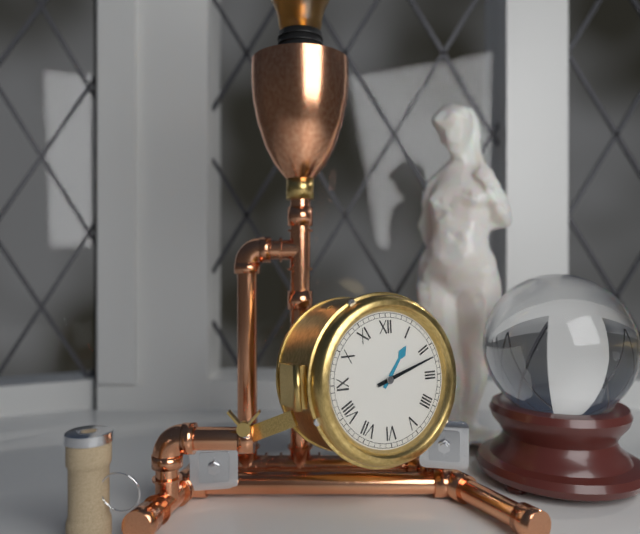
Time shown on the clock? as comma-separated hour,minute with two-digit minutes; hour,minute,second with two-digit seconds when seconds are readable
1,12
